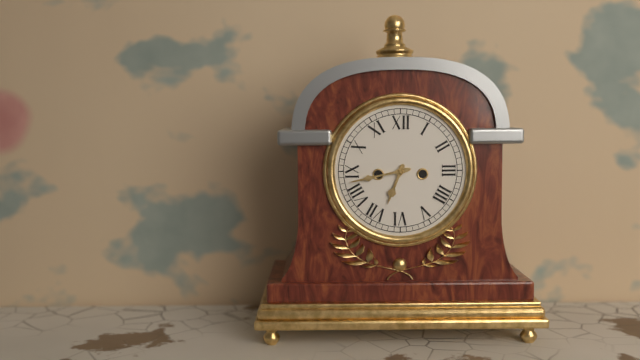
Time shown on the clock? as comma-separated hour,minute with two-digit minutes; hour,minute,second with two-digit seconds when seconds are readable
6,43
